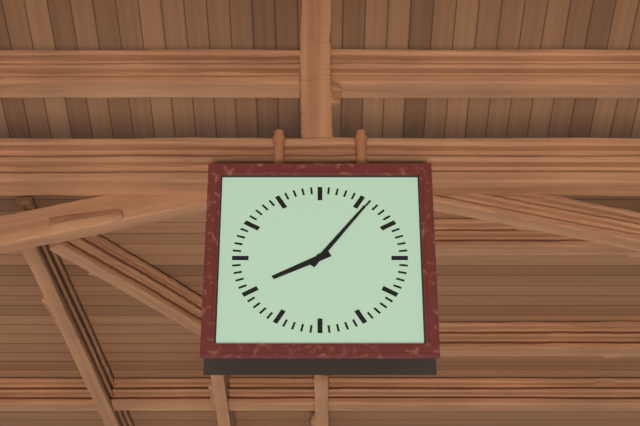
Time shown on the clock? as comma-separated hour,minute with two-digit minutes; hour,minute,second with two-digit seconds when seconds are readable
8,06
